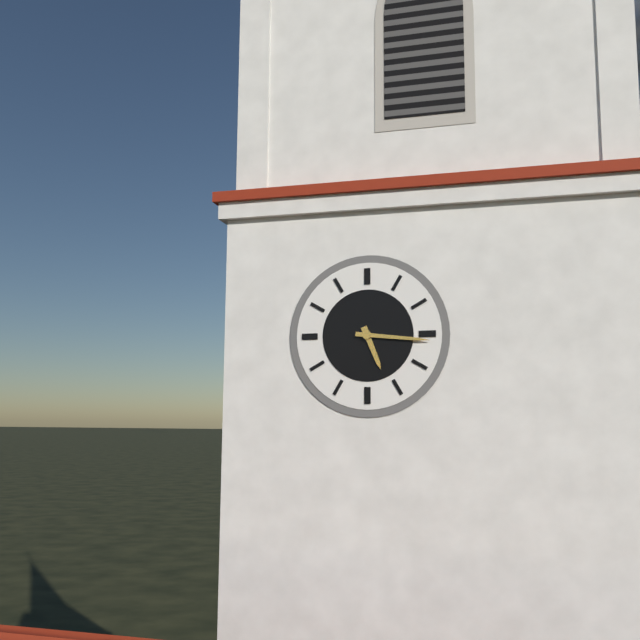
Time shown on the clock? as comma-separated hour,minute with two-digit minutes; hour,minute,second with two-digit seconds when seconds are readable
5,16
